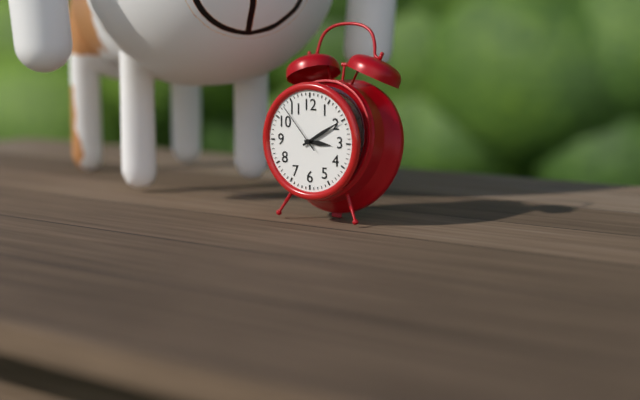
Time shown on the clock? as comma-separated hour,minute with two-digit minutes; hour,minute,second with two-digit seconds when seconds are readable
3,10,53
